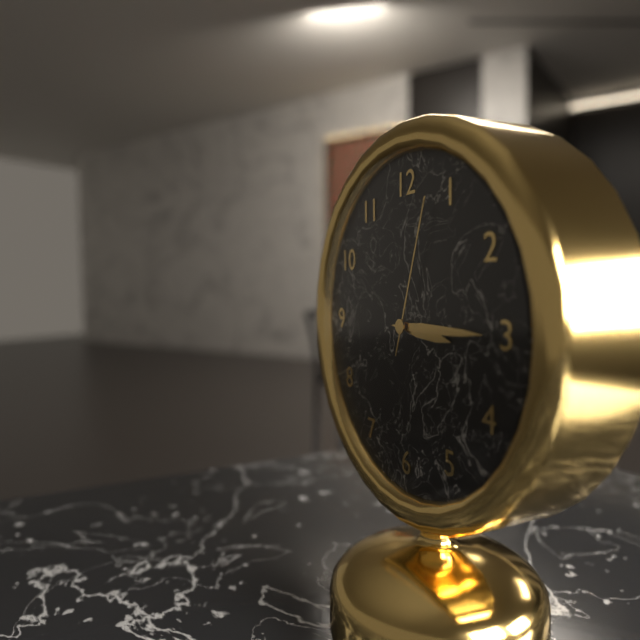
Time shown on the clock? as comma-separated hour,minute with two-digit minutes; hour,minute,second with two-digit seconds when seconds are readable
3,15,03
